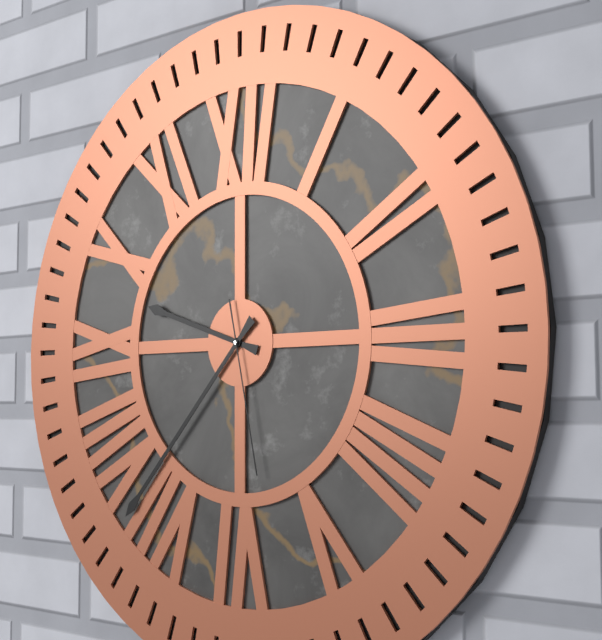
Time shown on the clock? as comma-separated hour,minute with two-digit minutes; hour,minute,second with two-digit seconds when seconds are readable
9,37,28
